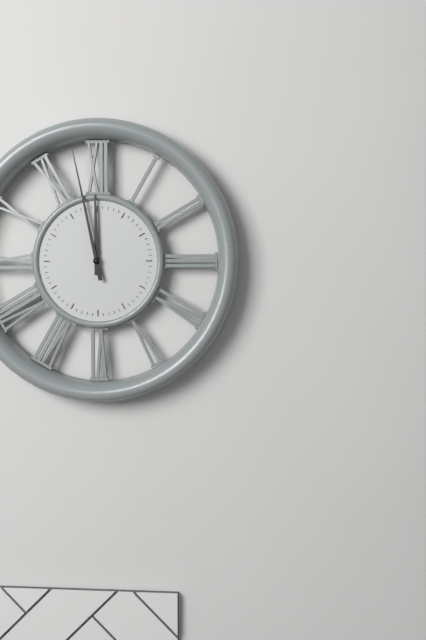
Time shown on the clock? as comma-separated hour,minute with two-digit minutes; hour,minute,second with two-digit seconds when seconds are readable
11,58
